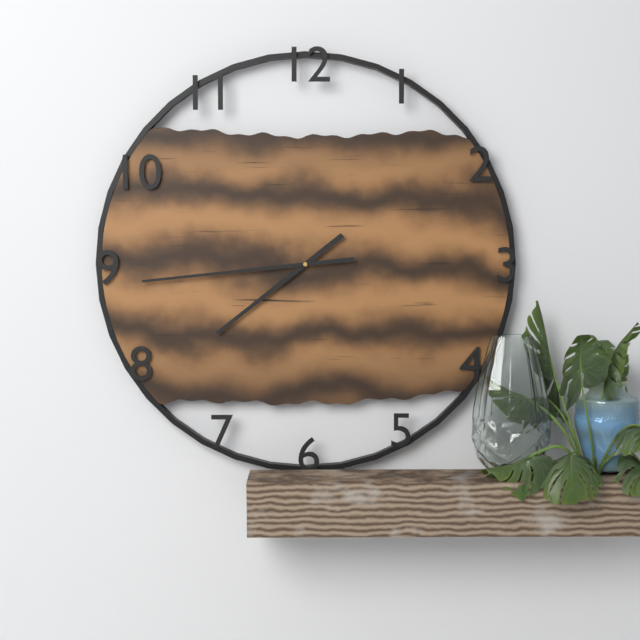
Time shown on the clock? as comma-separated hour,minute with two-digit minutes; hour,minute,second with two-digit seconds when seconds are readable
7,44
